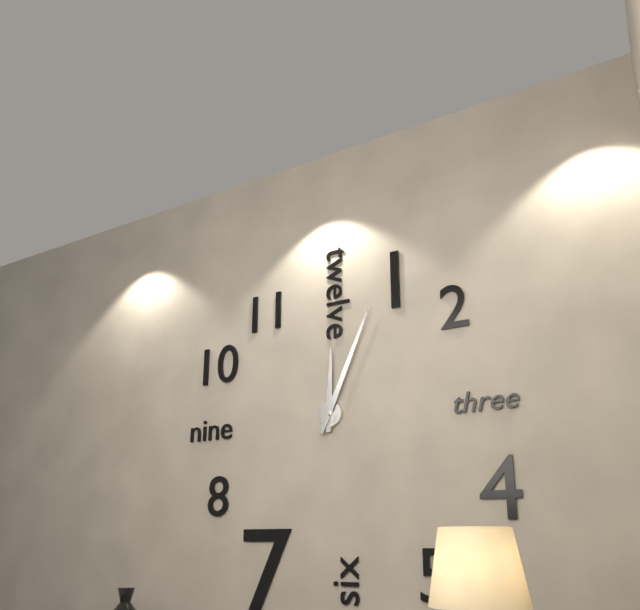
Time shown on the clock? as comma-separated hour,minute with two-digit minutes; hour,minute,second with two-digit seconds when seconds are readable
12,04
